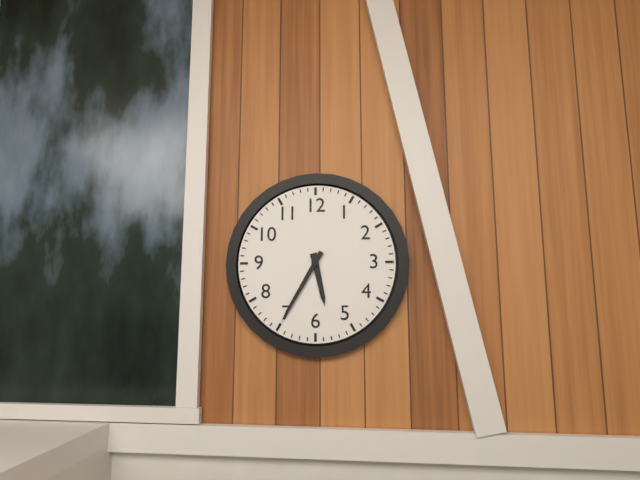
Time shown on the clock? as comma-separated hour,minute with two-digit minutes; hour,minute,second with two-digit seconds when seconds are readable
5,35
